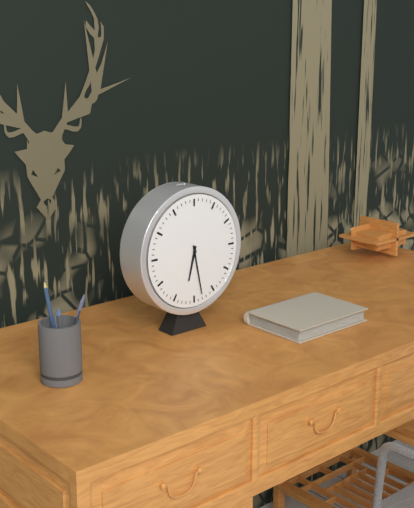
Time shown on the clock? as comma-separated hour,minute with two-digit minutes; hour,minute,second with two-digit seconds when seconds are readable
6,28
